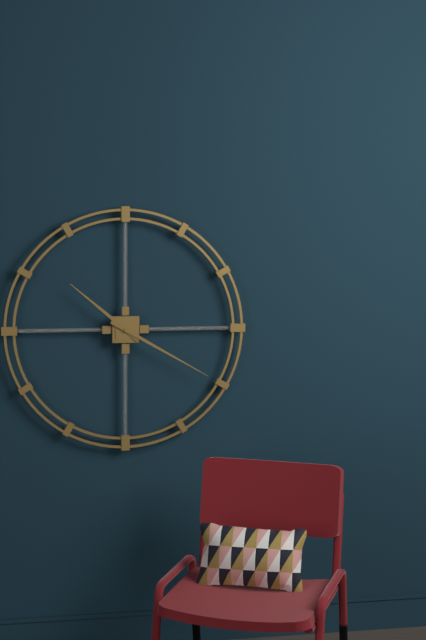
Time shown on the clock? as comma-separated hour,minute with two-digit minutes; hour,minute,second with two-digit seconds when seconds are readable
10,20
